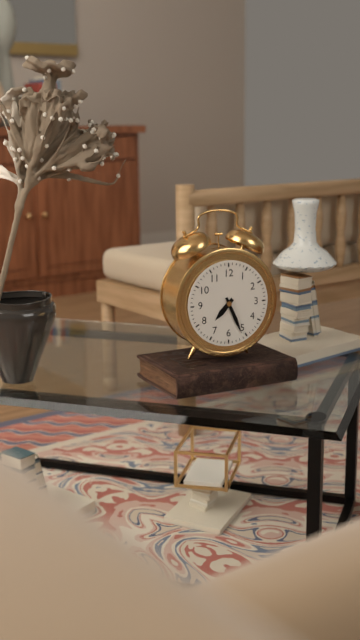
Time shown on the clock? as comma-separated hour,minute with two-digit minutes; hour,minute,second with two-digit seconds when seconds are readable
7,26
